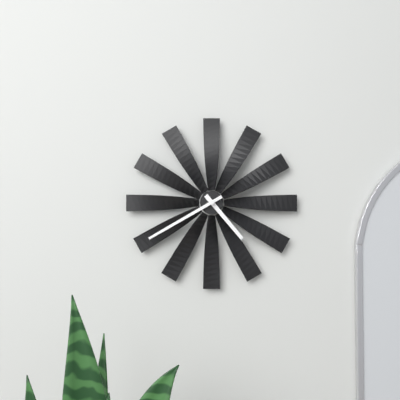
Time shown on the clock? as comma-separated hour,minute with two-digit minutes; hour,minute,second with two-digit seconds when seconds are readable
4,40
